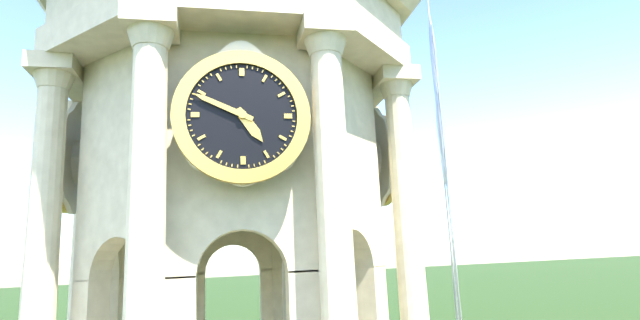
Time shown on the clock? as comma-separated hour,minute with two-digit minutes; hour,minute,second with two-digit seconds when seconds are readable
4,49
